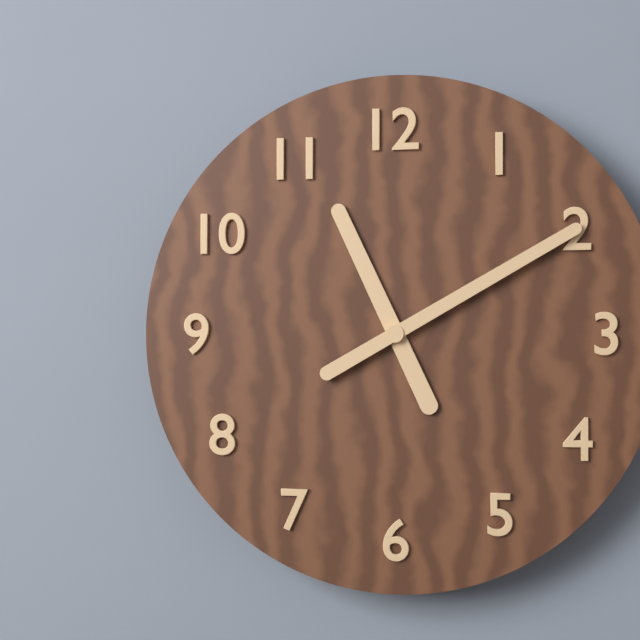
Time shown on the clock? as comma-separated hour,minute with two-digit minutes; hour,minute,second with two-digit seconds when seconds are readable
11,10
